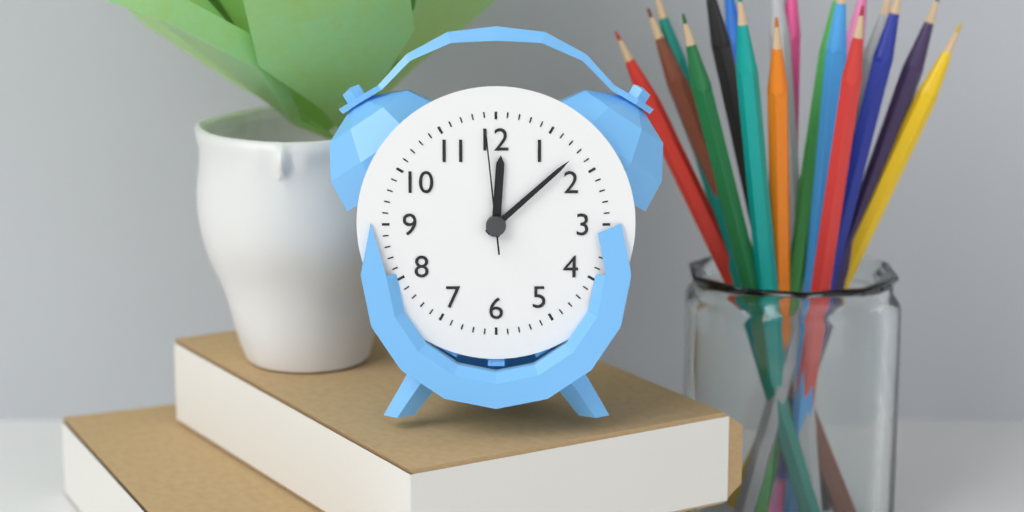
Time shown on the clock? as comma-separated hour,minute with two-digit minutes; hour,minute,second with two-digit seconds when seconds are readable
12,08,59
